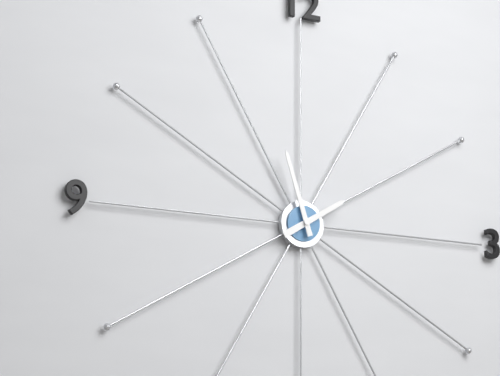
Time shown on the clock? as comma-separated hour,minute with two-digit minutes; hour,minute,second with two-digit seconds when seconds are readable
1,57
